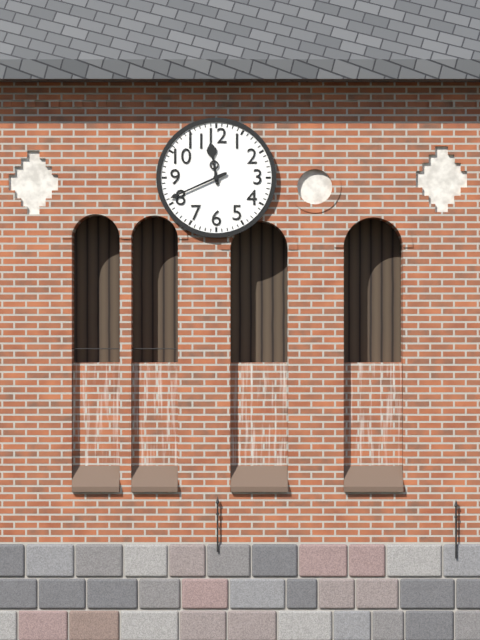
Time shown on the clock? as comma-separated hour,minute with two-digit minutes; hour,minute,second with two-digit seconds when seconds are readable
11,41
